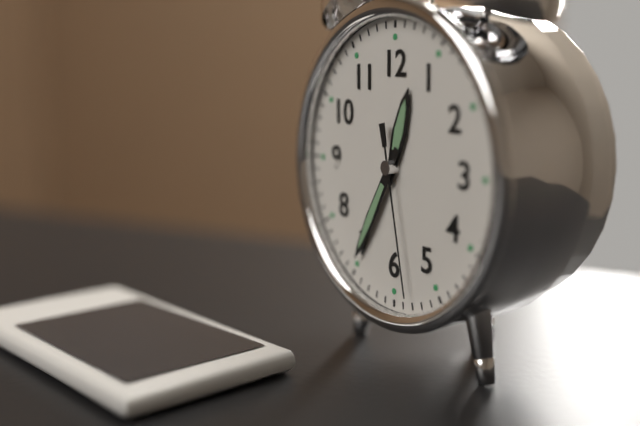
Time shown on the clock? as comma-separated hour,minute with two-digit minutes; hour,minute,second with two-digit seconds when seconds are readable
12,35,28
